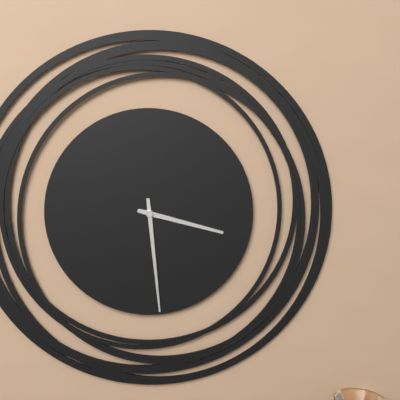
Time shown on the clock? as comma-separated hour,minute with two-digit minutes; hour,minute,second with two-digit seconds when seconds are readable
3,29
